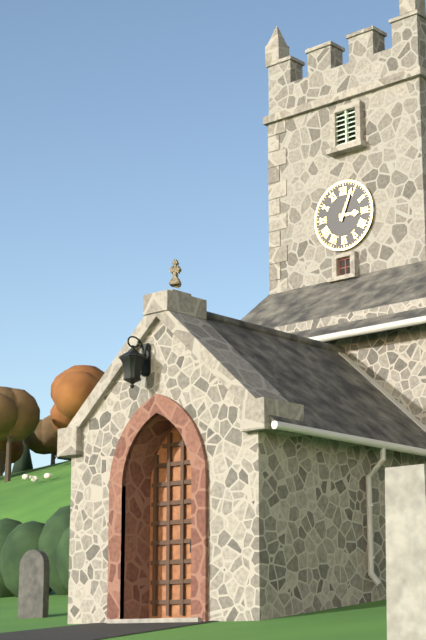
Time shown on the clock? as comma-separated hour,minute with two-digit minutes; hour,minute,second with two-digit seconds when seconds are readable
3,04
